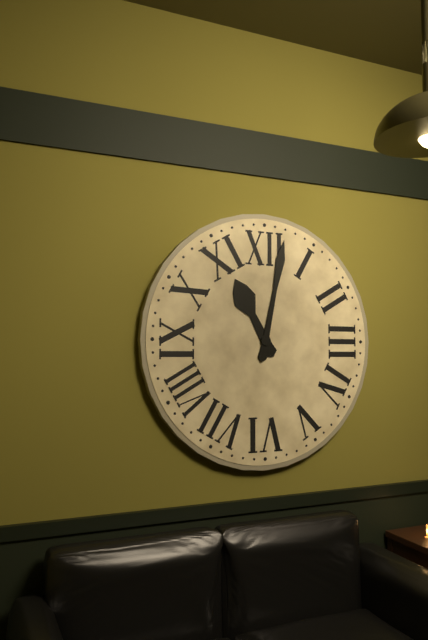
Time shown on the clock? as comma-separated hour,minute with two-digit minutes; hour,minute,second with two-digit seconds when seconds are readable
11,02
